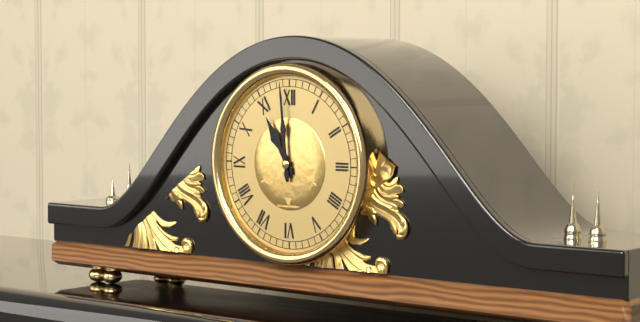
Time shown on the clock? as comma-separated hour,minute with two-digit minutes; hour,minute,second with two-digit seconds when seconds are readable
10,59
